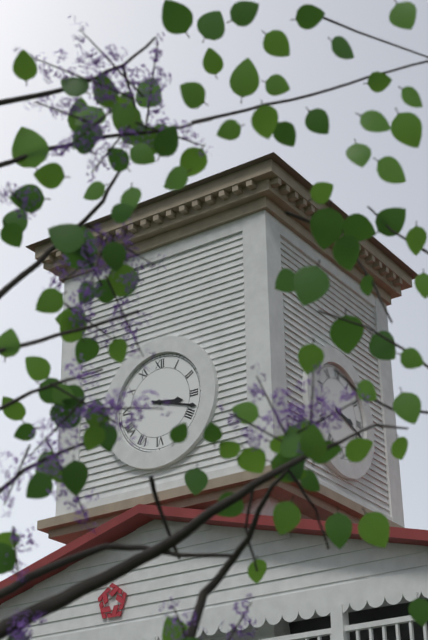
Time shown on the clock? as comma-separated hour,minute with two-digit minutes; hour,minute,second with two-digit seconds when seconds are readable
3,18
